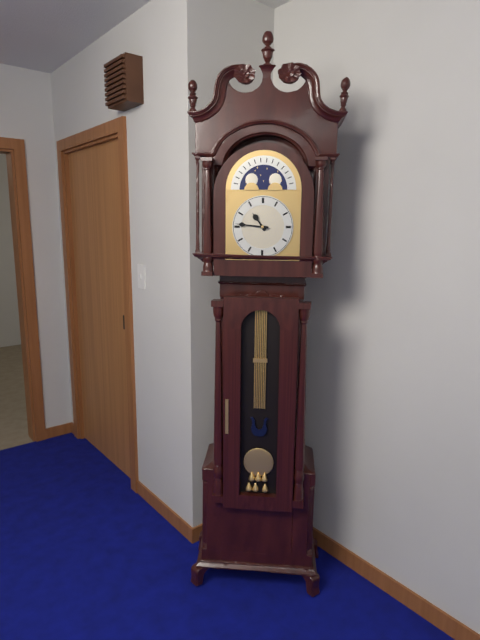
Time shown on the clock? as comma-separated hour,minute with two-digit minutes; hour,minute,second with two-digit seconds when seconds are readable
10,46
